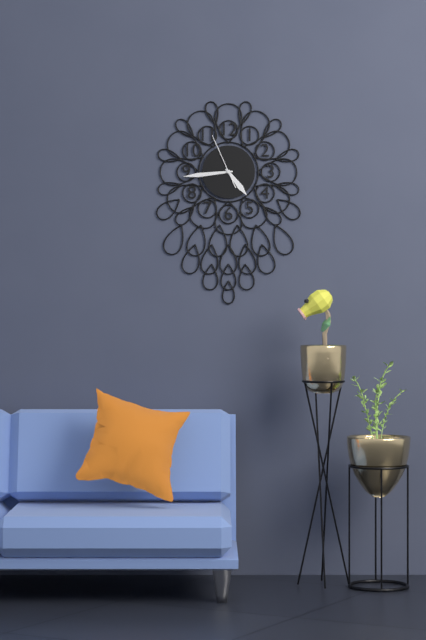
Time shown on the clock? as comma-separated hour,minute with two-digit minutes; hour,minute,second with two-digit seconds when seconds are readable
4,44,56
